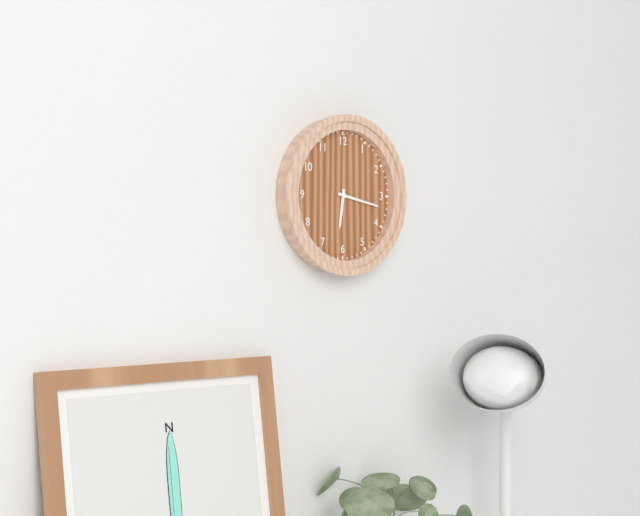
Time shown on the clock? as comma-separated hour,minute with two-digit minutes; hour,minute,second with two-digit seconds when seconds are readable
6,17
